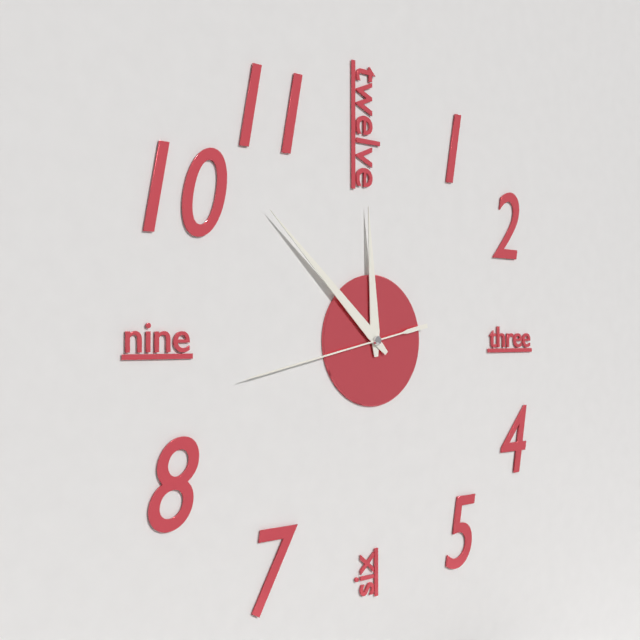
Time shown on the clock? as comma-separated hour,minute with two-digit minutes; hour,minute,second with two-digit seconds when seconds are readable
11,52,43
